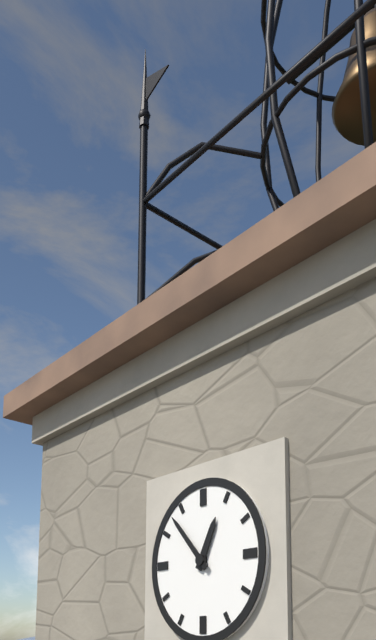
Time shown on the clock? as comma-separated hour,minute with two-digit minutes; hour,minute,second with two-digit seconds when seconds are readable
12,53
